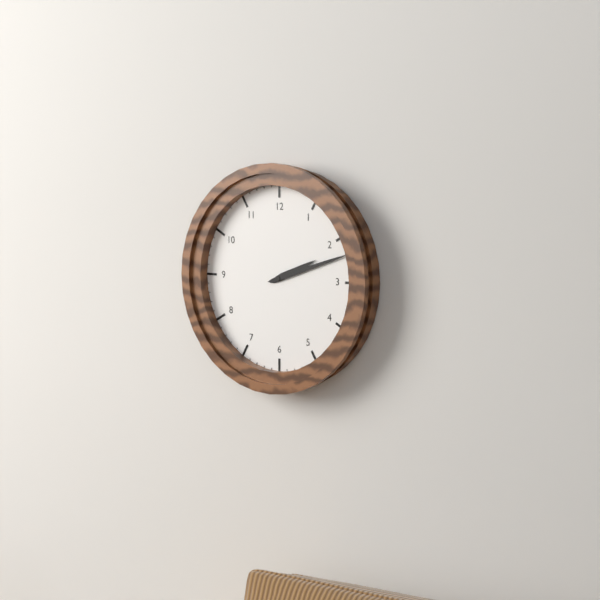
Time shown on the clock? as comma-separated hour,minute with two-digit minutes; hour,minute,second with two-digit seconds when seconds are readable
2,12
